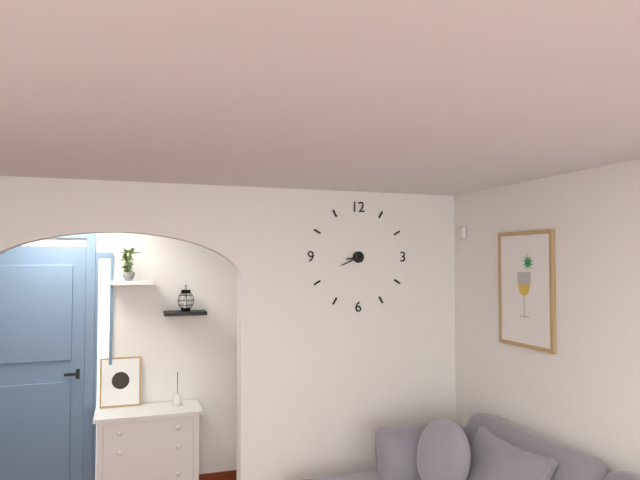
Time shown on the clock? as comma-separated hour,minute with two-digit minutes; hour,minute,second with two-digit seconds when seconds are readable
8,41
